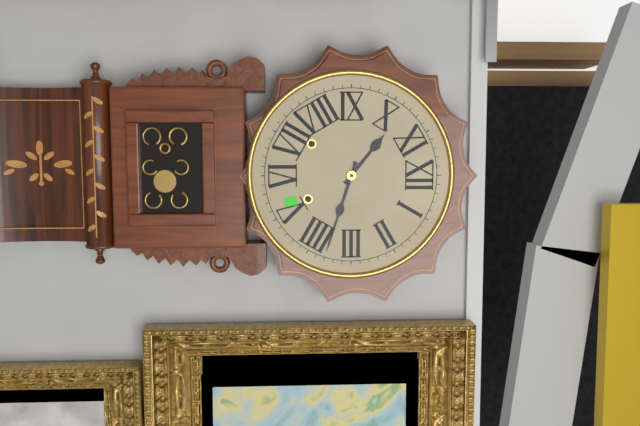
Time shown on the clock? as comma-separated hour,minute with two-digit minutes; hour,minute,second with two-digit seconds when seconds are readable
10,18
